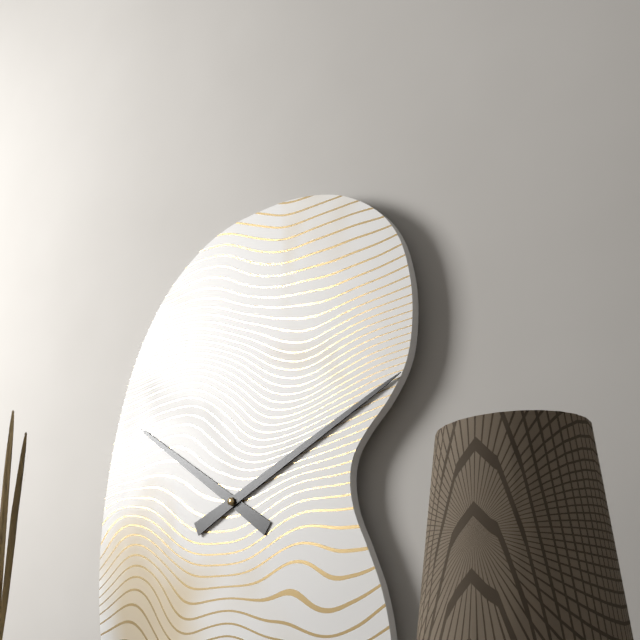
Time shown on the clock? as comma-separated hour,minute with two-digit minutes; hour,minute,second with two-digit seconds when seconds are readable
10,11
